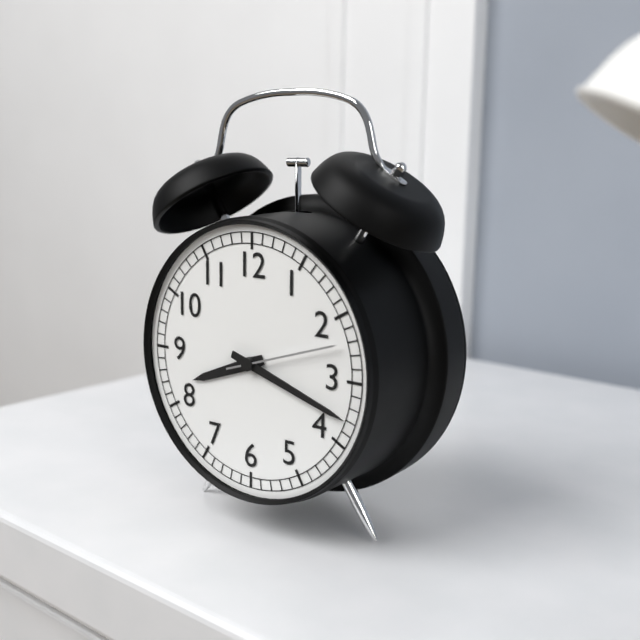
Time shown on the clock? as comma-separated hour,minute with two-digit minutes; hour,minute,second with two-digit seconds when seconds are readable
8,18,12
